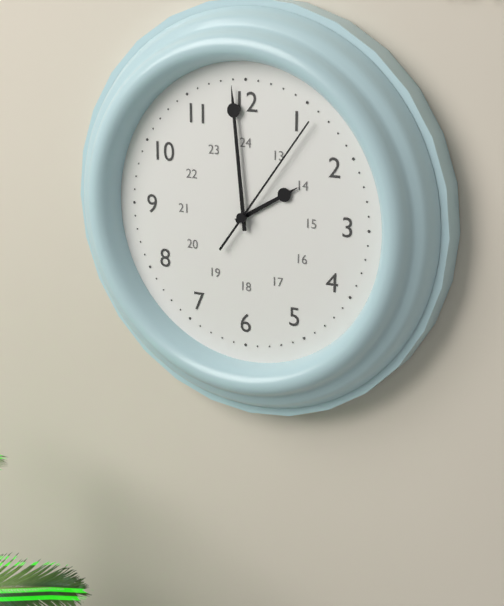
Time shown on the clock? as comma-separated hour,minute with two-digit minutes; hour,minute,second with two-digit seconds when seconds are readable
1,59,06
